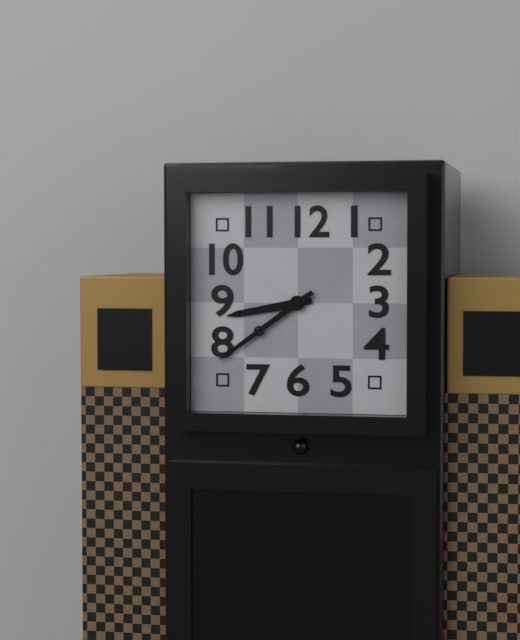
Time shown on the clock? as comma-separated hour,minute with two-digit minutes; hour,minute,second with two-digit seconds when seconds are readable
8,39
